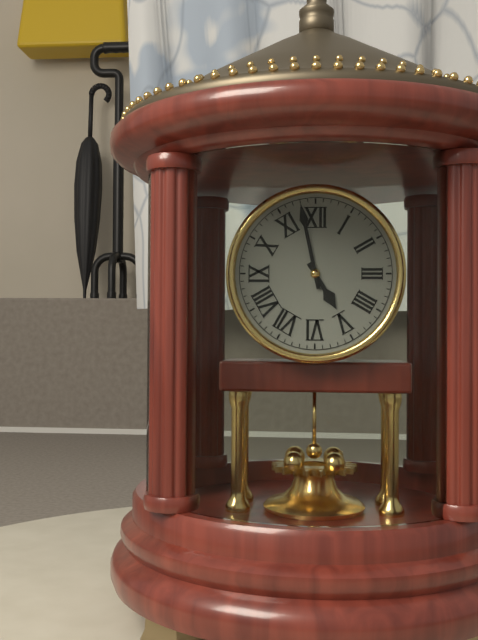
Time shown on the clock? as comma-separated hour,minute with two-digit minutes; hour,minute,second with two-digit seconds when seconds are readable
4,58
